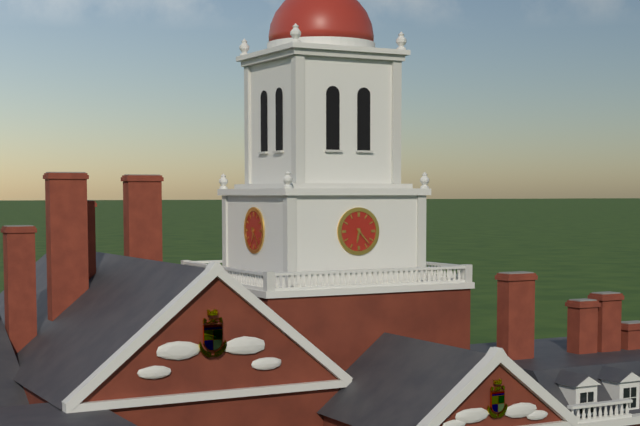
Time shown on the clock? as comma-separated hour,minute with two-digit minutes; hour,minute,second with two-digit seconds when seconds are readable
6,23
